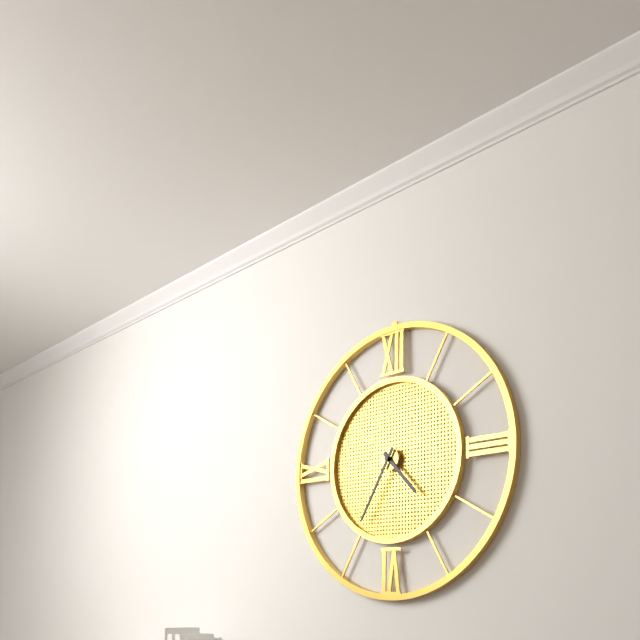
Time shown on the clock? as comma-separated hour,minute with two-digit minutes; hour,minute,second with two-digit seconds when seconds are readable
4,35
